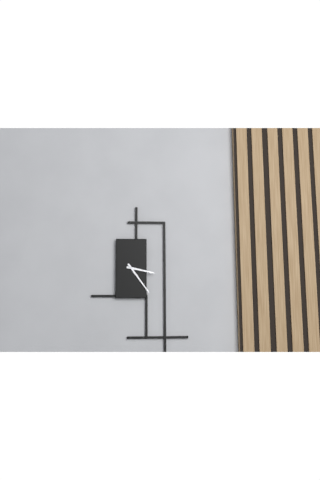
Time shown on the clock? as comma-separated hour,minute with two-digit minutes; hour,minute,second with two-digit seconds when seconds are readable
3,24
